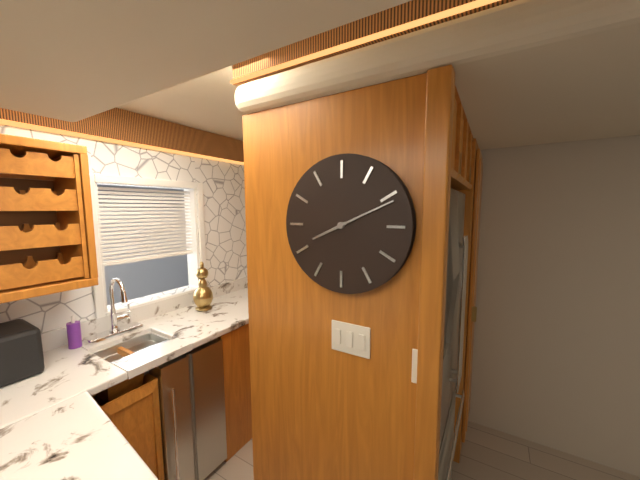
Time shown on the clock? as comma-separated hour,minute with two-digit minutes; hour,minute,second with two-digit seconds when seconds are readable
8,11
